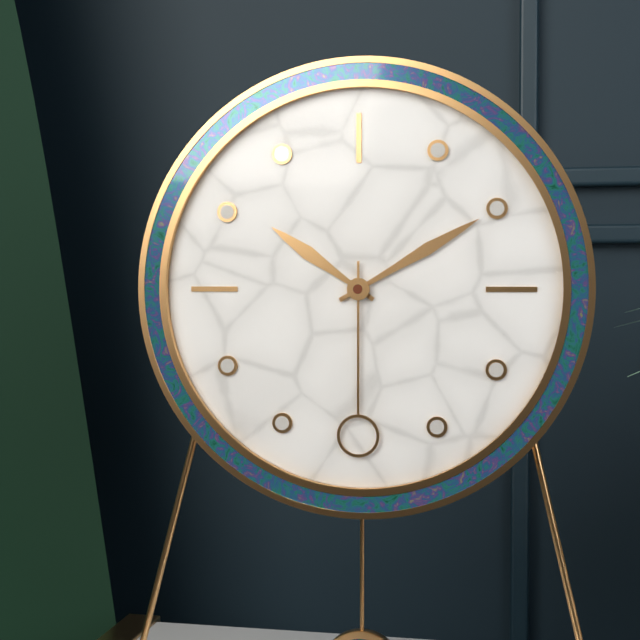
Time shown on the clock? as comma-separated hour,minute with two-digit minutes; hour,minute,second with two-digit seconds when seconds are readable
10,10,30
